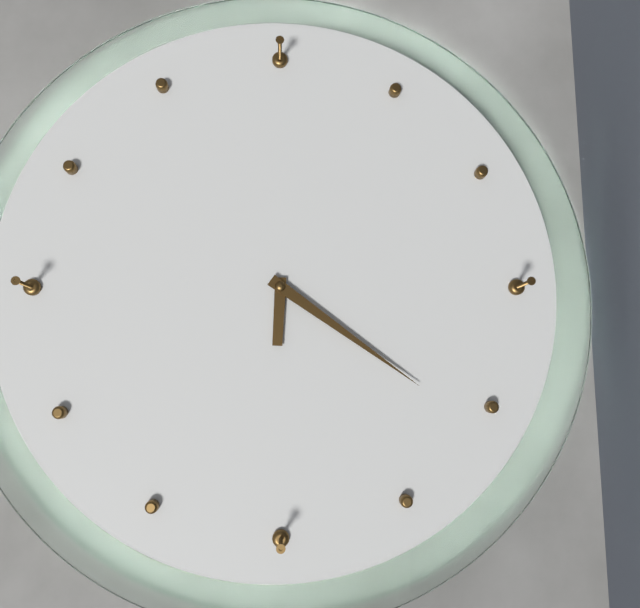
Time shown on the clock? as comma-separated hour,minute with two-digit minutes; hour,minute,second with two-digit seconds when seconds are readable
3,06
